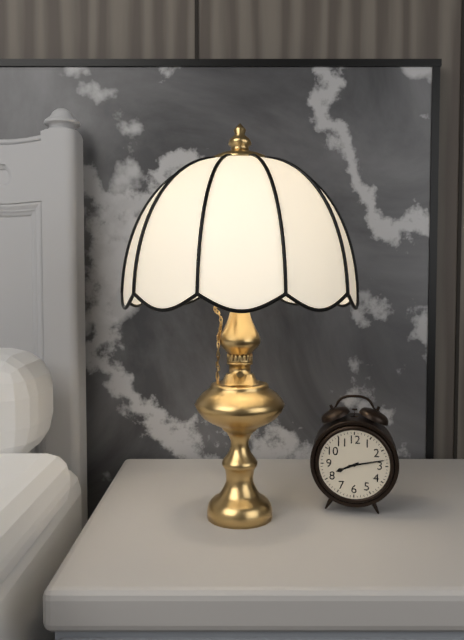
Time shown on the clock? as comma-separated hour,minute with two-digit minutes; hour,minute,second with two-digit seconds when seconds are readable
8,13
